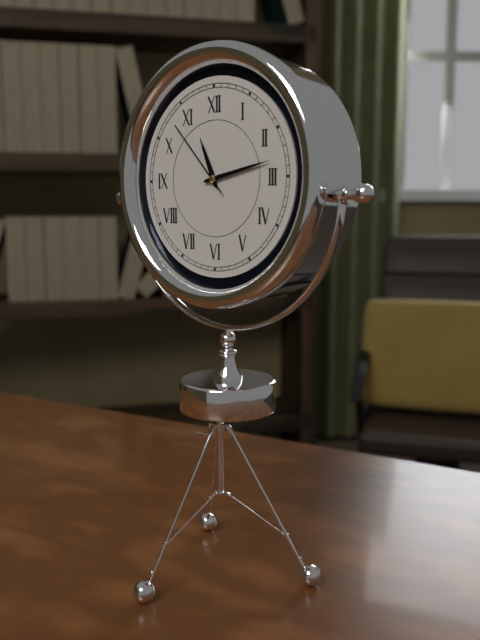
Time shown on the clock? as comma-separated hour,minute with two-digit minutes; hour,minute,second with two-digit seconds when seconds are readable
11,13,53
